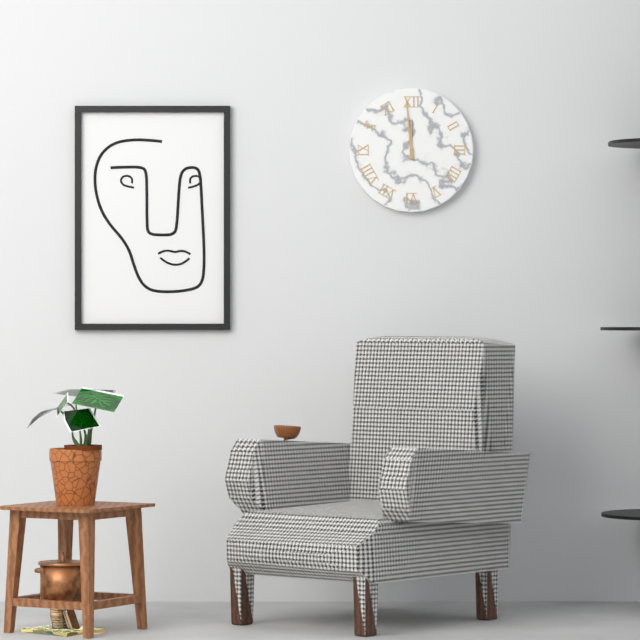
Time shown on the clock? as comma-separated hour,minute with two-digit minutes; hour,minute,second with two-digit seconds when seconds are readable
11,59
